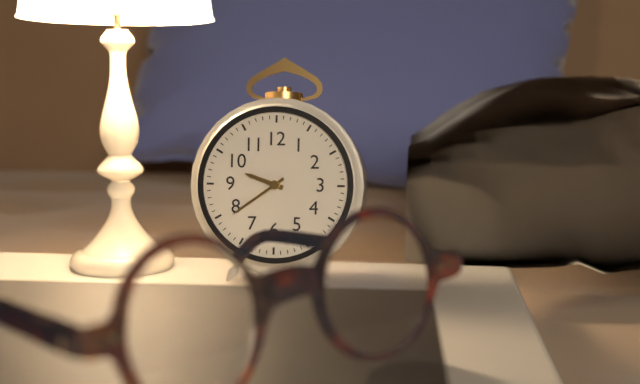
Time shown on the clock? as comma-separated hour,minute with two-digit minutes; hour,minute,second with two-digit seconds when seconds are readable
9,39
